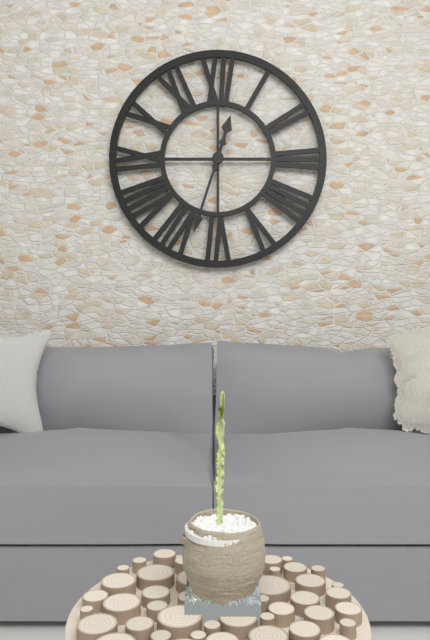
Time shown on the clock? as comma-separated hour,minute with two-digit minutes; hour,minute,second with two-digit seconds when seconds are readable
12,33
